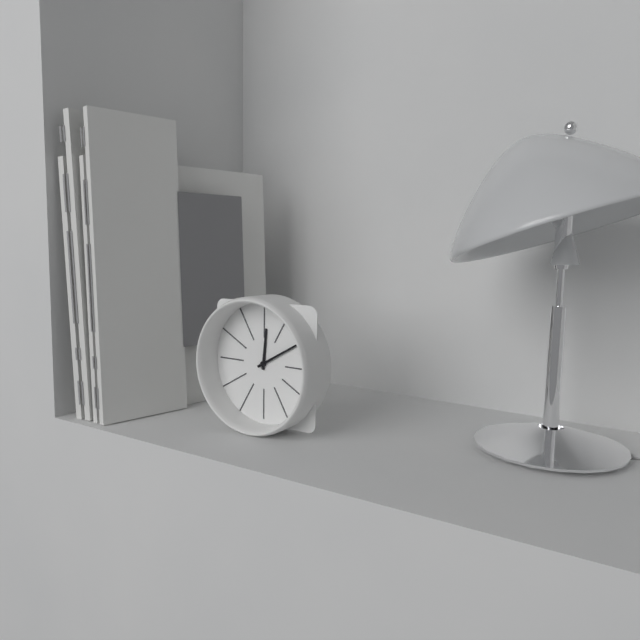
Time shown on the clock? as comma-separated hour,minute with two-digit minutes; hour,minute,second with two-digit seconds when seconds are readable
12,10
